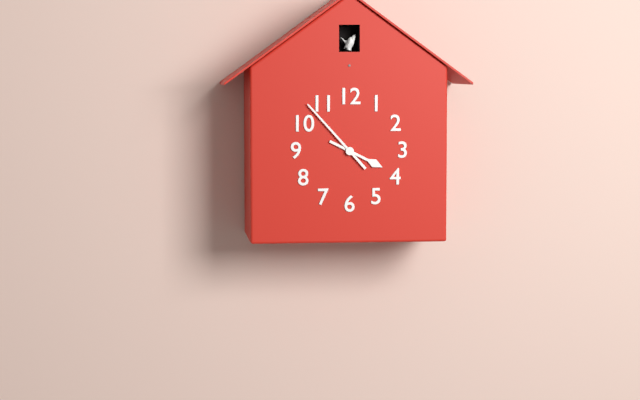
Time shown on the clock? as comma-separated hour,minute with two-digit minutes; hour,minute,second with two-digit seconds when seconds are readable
3,53
